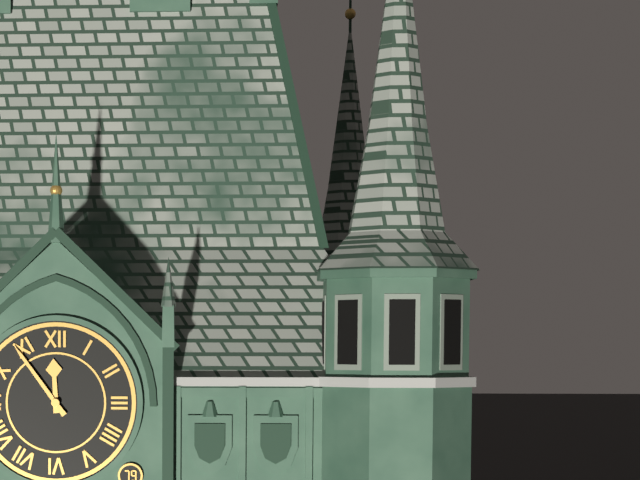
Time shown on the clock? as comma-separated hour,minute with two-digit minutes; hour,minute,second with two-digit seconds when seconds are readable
11,54
